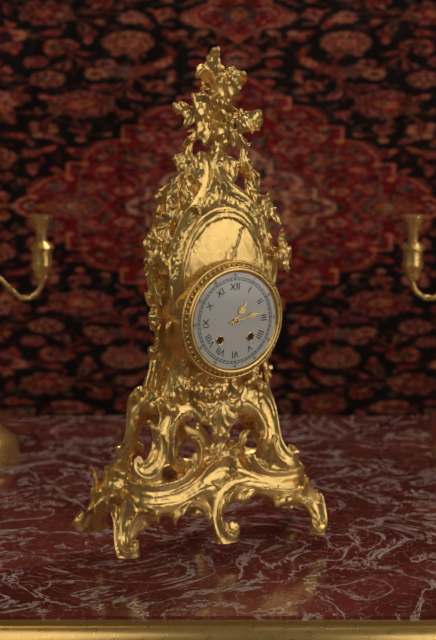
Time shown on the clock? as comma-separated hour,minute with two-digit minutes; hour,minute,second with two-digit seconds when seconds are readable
1,13
